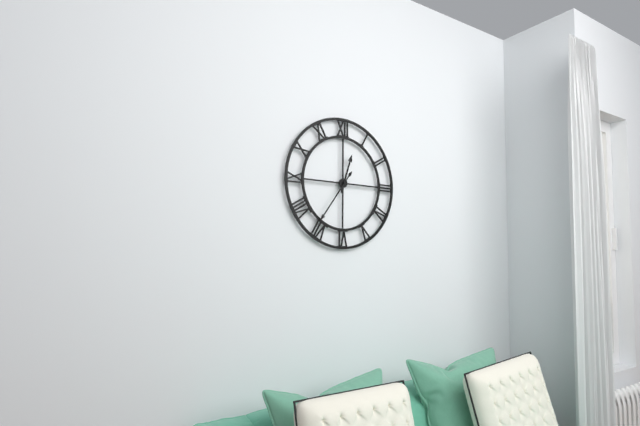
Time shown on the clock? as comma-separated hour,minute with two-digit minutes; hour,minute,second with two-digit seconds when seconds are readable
12,36
